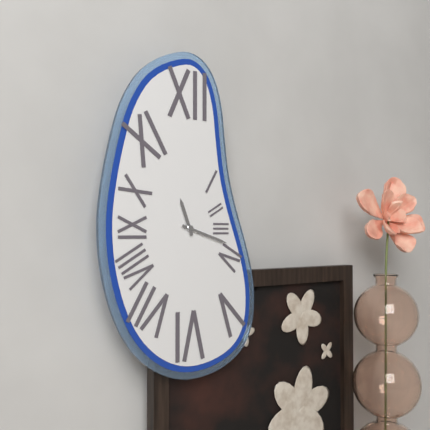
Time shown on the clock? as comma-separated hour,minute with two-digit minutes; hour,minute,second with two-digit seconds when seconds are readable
11,18
